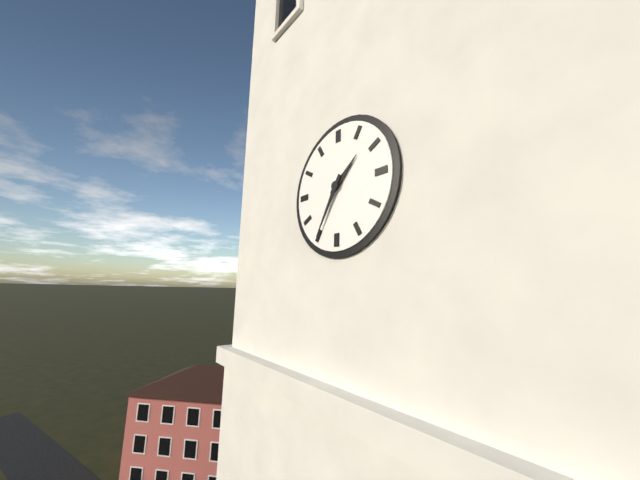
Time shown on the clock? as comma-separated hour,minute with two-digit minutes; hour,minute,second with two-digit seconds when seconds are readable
1,35
